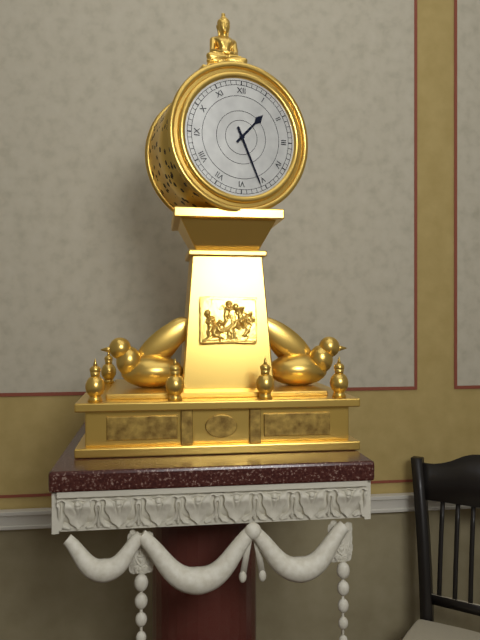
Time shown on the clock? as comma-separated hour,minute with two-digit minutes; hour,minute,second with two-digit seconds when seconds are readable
1,26
